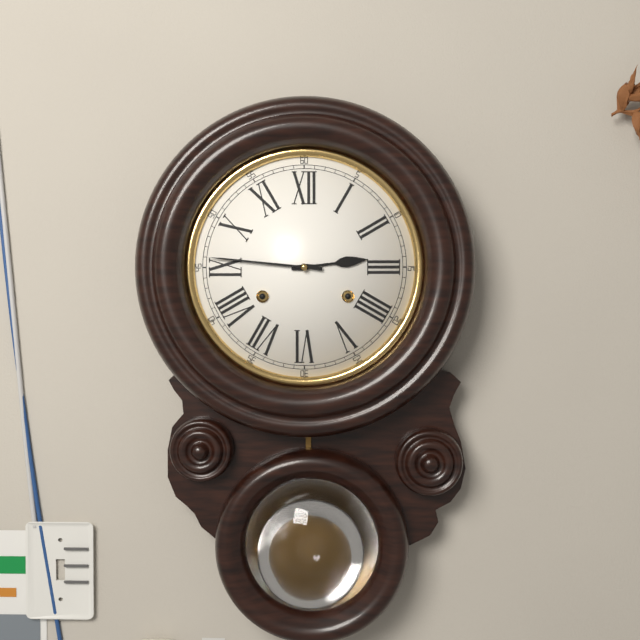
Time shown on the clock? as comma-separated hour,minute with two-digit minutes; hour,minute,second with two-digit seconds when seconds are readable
2,46
